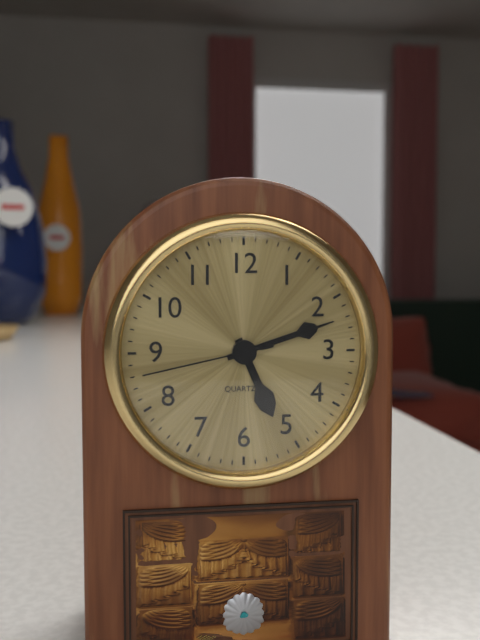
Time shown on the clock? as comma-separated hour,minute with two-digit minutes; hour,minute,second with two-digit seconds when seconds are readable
5,12,43
